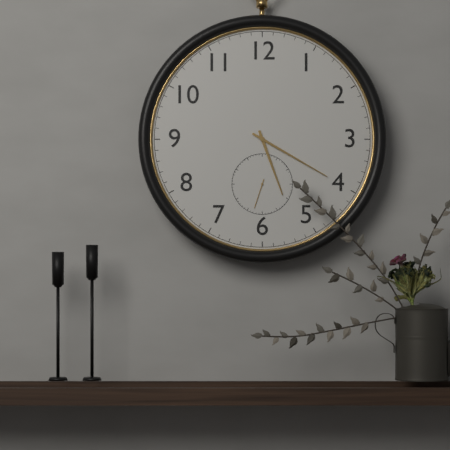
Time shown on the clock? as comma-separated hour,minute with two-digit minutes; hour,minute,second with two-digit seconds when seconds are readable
5,20
